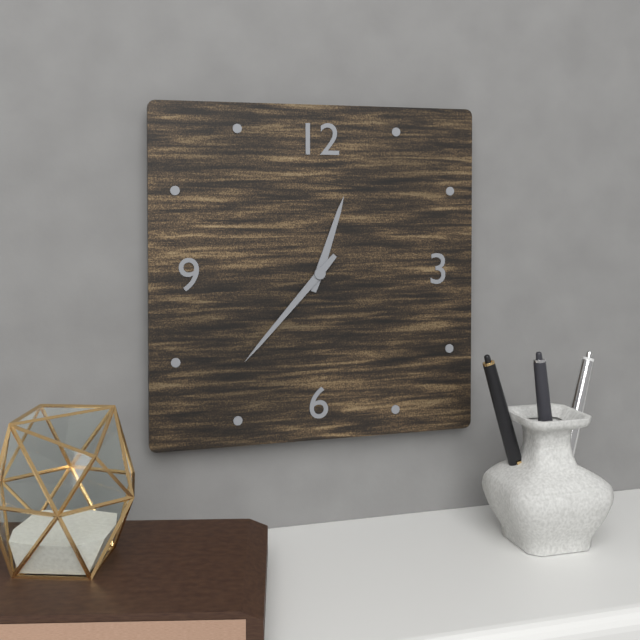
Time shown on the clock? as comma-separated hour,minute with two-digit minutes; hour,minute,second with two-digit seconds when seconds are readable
12,37
